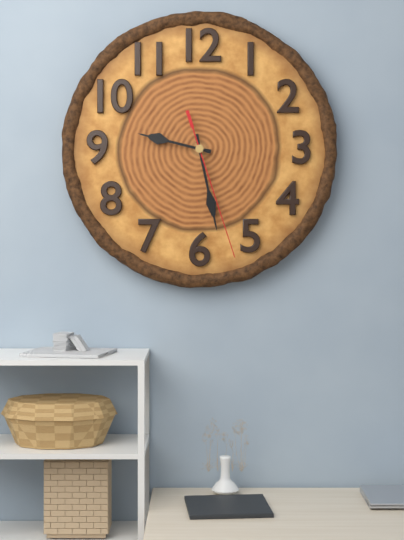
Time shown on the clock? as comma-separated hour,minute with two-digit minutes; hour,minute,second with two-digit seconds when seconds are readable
9,28,27
